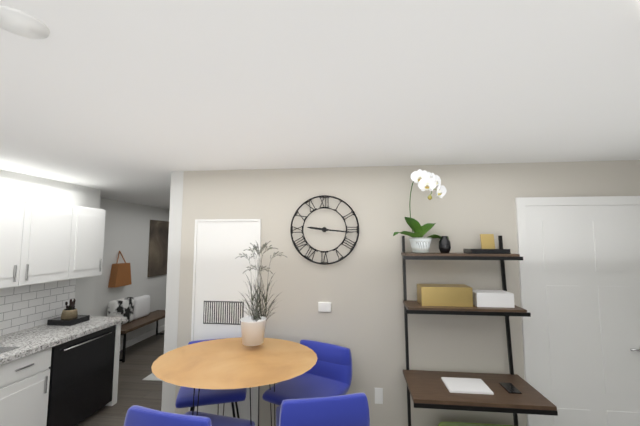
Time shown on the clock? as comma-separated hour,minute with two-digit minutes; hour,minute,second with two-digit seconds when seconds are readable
9,16
